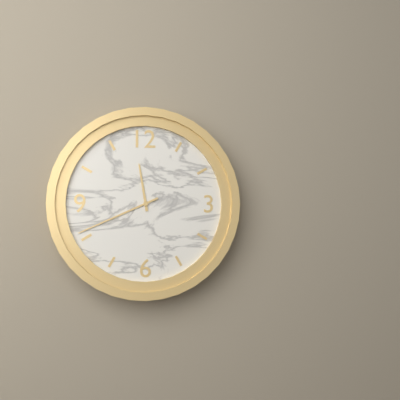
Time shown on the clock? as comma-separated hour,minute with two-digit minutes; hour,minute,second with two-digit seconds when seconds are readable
11,41
